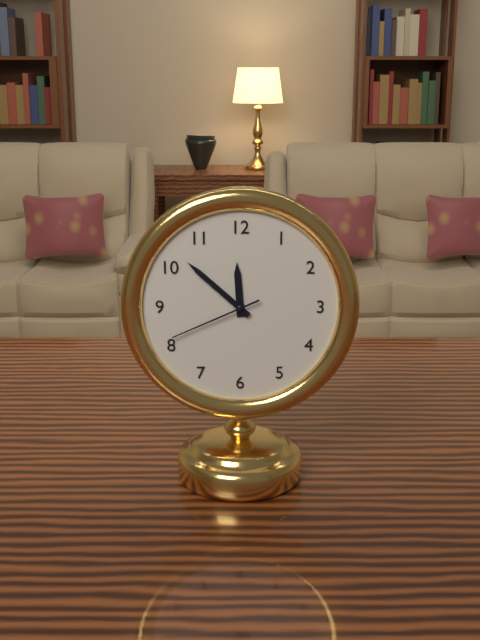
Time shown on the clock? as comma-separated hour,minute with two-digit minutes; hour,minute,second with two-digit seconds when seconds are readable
11,52,41
